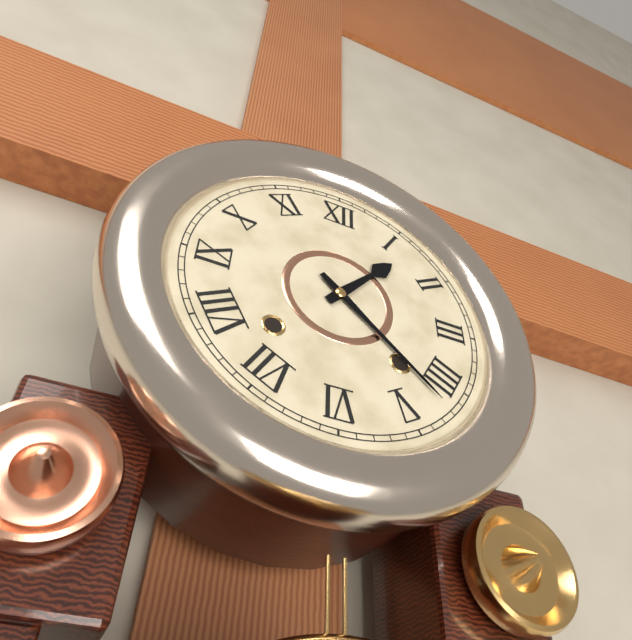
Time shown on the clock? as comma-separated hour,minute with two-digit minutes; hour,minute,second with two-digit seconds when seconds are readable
1,22
